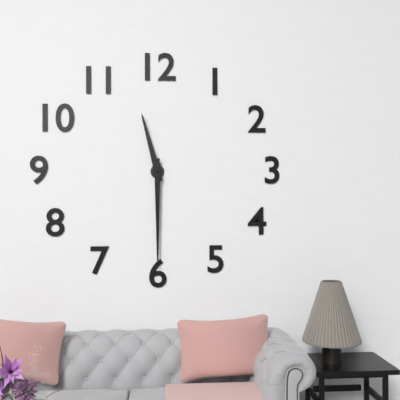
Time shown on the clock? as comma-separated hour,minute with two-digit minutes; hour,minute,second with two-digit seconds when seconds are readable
11,30
